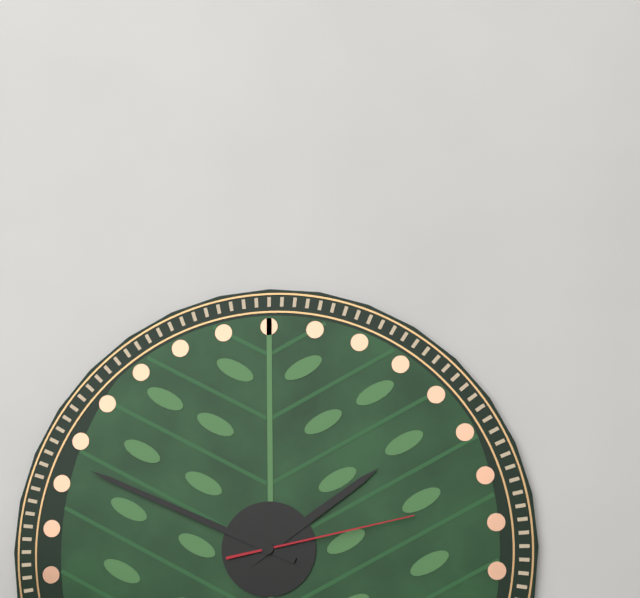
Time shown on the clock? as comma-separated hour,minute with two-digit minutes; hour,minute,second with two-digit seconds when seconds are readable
1,49,13
